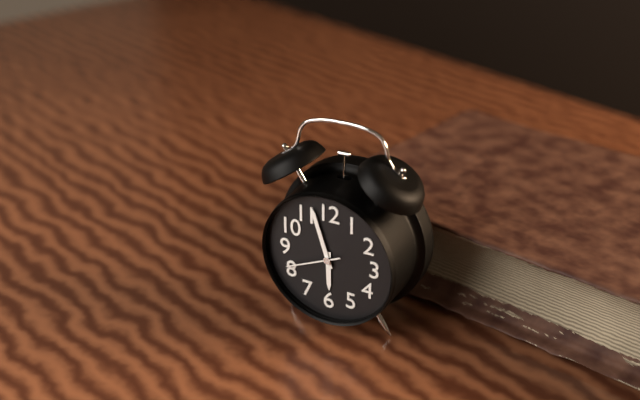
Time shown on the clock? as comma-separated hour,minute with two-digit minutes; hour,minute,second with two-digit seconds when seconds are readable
5,57,41
